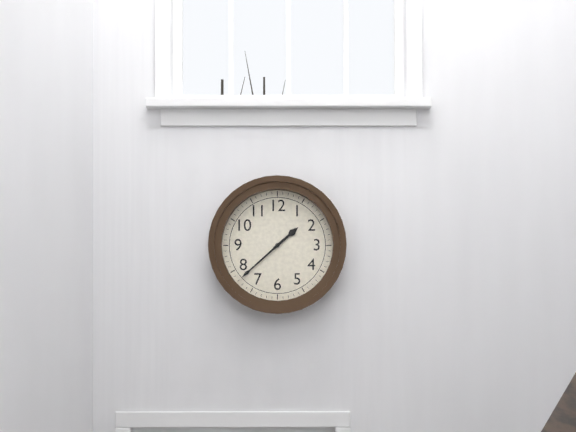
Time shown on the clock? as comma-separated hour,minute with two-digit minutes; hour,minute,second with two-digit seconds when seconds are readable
1,38
